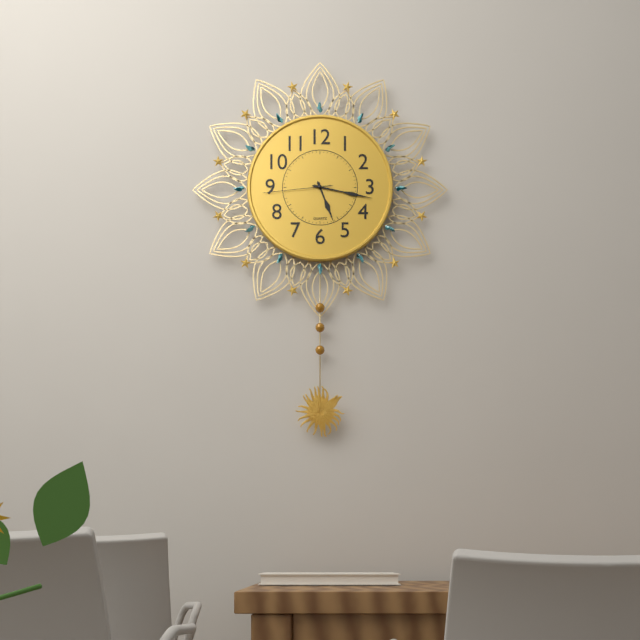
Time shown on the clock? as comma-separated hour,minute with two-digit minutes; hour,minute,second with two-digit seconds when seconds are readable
5,17,44
